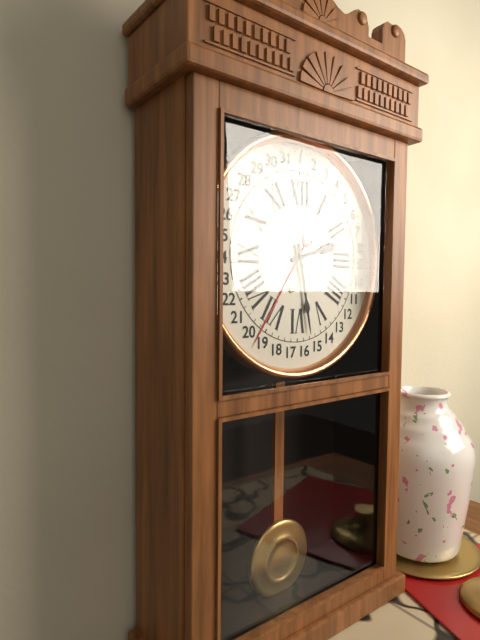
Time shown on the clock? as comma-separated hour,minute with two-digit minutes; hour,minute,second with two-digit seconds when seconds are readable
2,28
